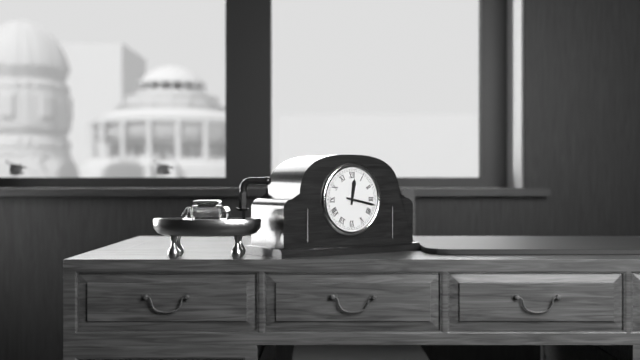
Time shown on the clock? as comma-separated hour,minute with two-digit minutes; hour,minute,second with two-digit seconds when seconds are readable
12,17
